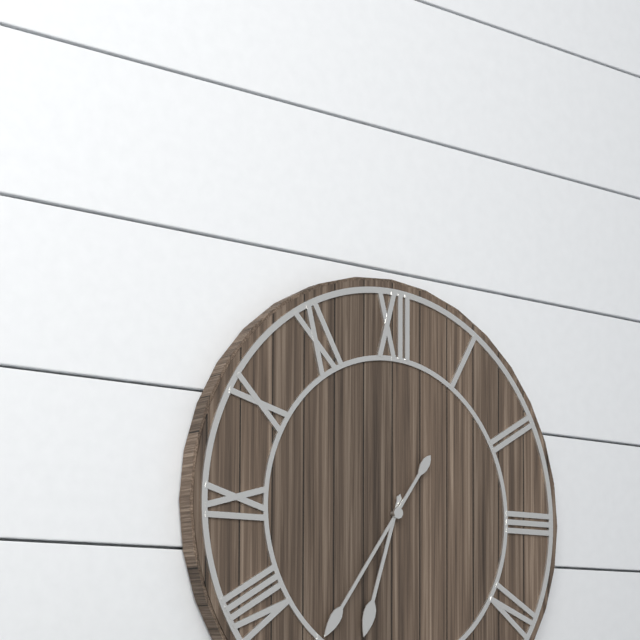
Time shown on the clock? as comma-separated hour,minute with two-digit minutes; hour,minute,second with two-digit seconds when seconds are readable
6,36
